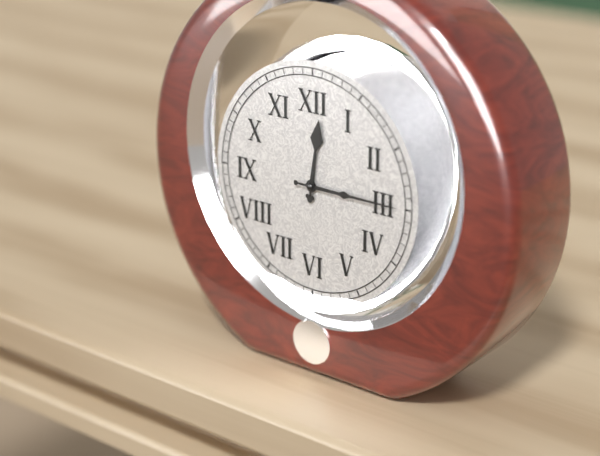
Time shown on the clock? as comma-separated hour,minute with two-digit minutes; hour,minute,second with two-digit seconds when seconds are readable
12,15
